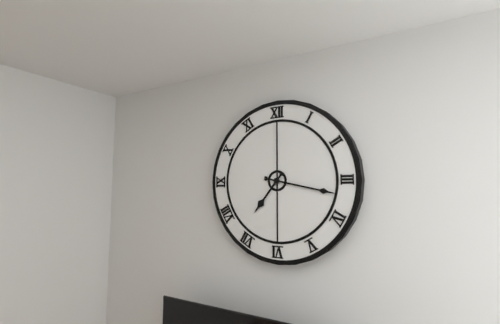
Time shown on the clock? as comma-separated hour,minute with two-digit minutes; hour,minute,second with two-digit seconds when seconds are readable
7,17
